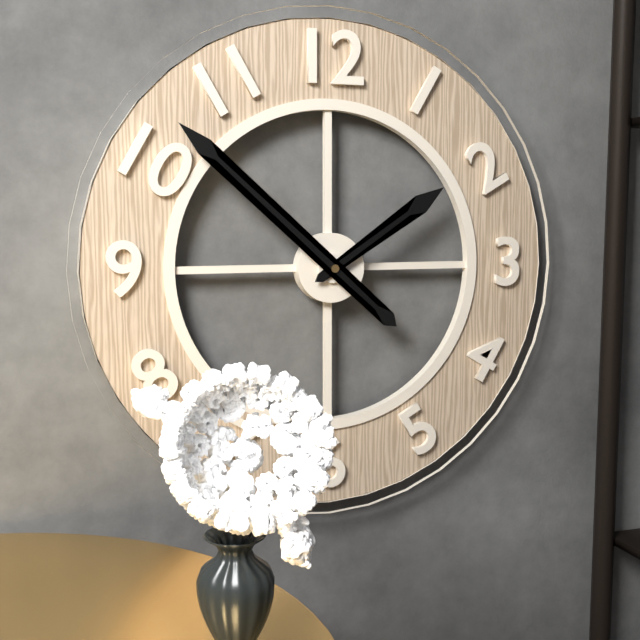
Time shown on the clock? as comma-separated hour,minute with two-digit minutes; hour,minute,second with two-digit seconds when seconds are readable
1,52
